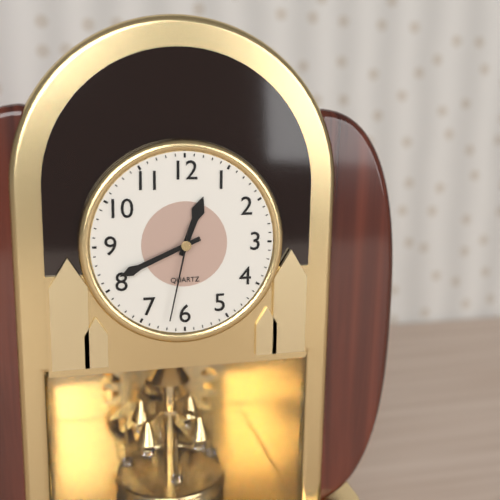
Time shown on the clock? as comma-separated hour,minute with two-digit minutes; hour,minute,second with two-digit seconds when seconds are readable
12,41,32
